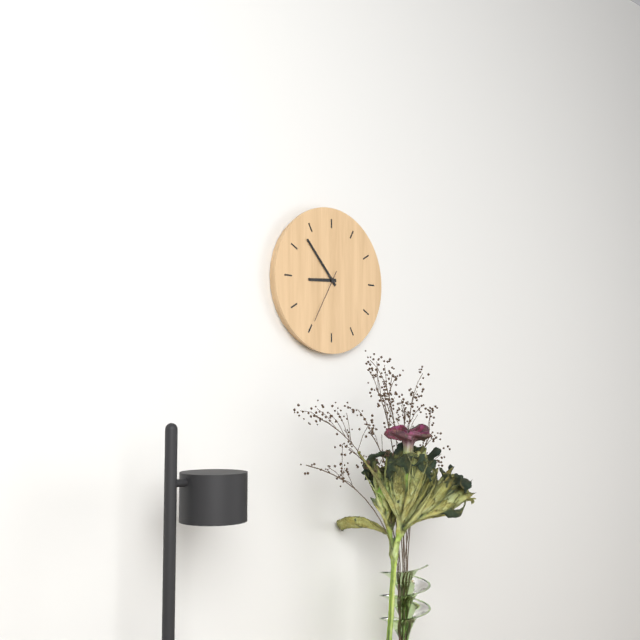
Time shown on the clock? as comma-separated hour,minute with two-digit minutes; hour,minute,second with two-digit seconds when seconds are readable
8,53,35
